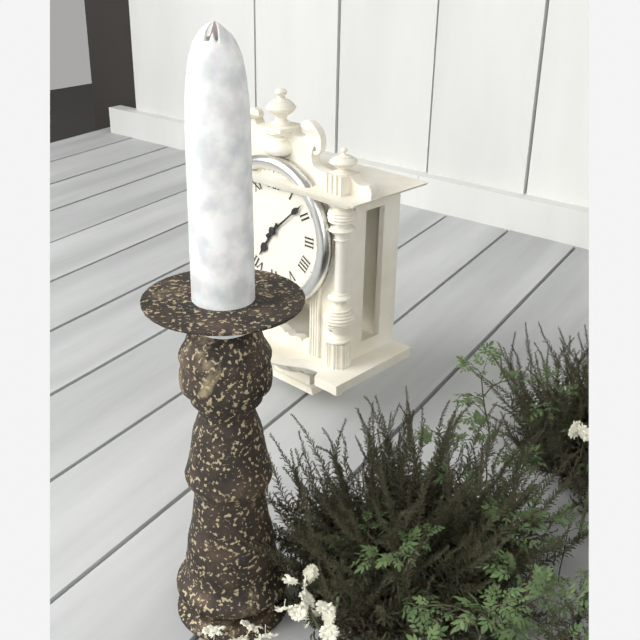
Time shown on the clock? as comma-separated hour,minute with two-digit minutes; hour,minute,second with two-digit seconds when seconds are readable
7,08
